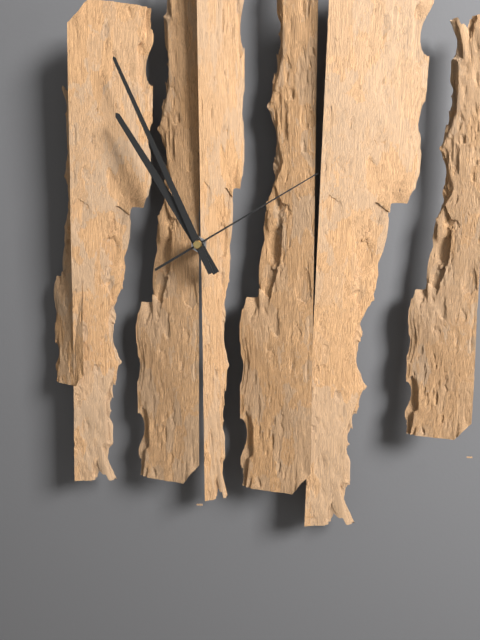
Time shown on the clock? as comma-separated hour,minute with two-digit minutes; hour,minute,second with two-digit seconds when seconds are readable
10,56,10
